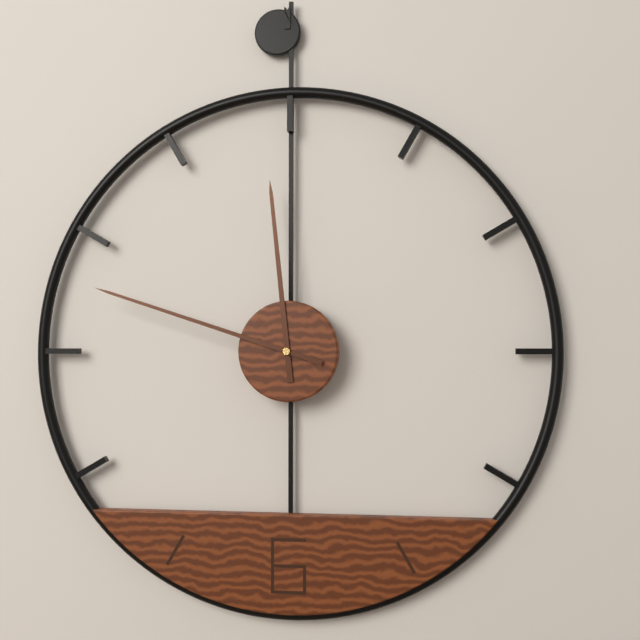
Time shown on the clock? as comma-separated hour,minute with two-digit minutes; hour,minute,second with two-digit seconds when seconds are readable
11,48
